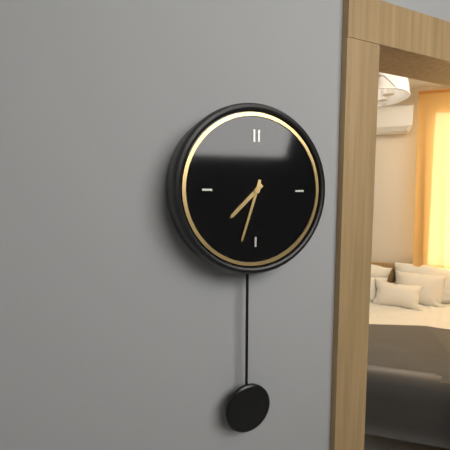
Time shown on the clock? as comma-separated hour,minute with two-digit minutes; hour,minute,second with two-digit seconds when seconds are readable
7,33
